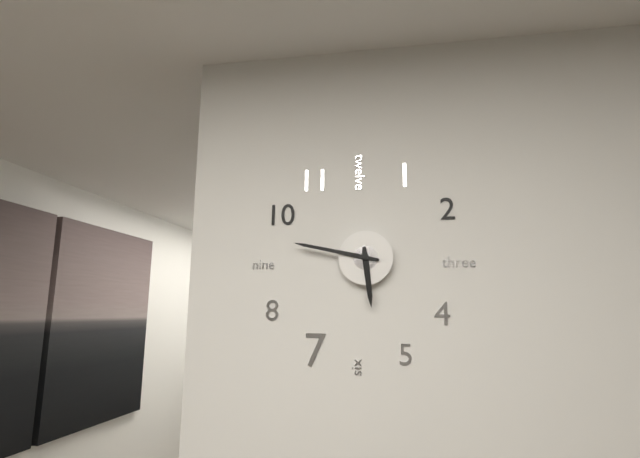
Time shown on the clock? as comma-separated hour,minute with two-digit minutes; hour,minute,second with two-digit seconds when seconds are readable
5,47
